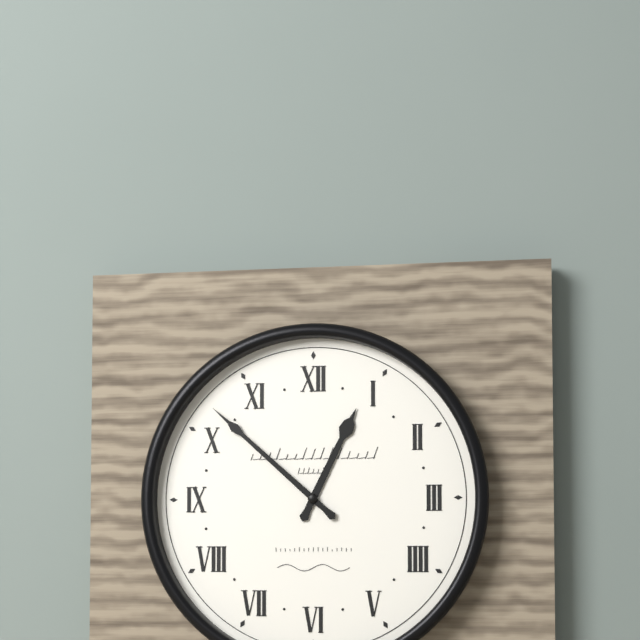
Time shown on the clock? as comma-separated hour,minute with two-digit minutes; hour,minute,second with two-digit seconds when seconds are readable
12,52
